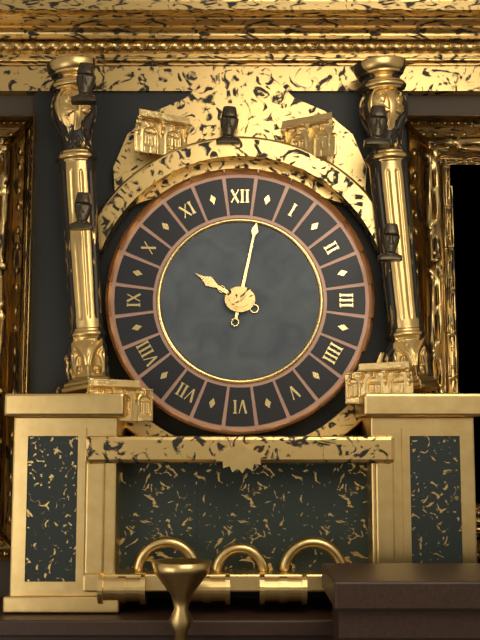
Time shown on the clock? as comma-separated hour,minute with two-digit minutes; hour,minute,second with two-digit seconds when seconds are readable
10,02
